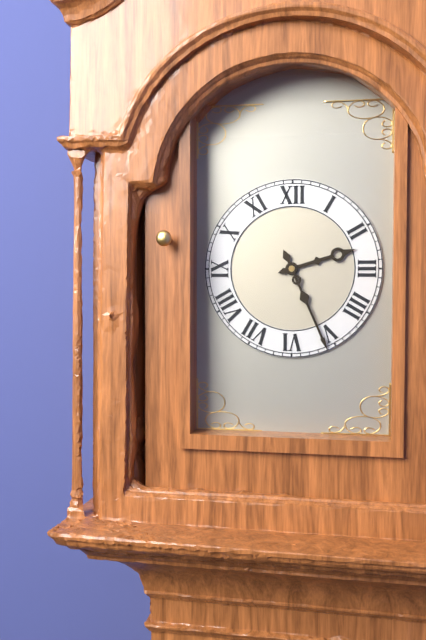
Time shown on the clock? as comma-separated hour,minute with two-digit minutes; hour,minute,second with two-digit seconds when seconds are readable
2,26
